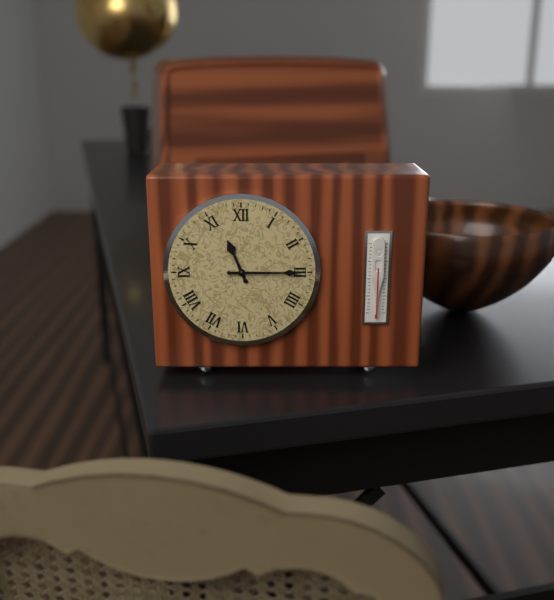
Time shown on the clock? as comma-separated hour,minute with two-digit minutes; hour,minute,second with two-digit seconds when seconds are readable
11,15
